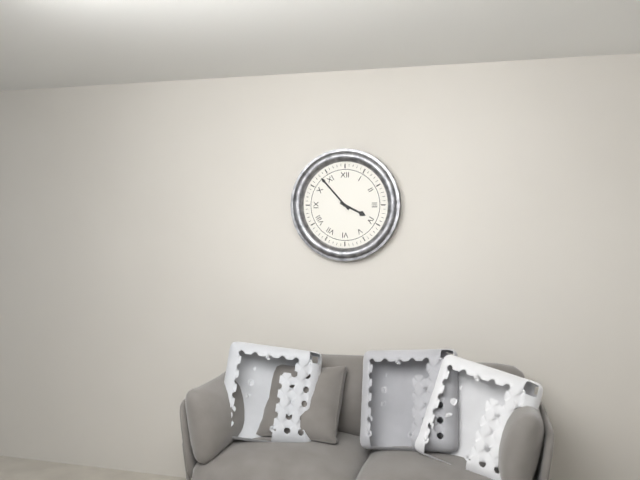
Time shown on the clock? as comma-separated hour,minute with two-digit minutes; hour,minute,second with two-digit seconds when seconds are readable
3,53
